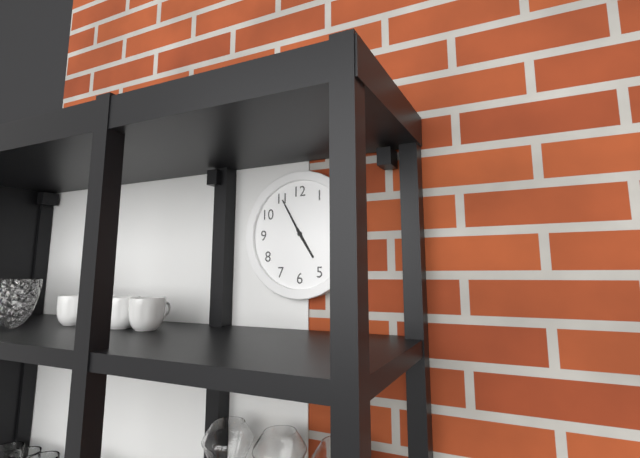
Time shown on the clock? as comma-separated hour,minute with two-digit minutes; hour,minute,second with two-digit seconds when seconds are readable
4,55
